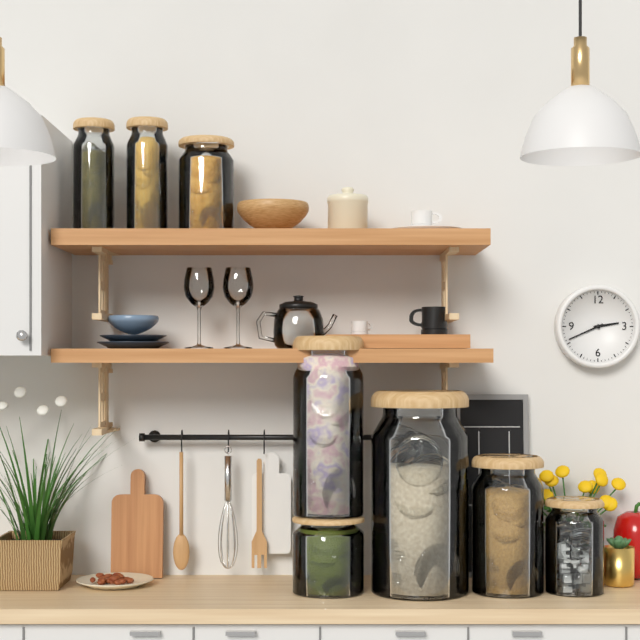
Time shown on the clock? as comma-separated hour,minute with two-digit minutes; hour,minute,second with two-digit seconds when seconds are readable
2,41
